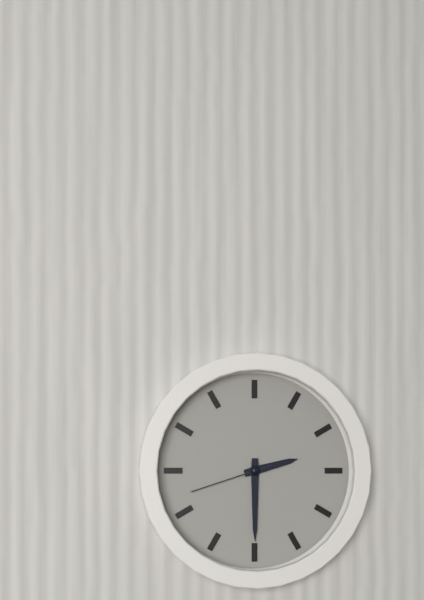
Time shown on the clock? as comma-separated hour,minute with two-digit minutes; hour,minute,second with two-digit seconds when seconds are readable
2,30,42
